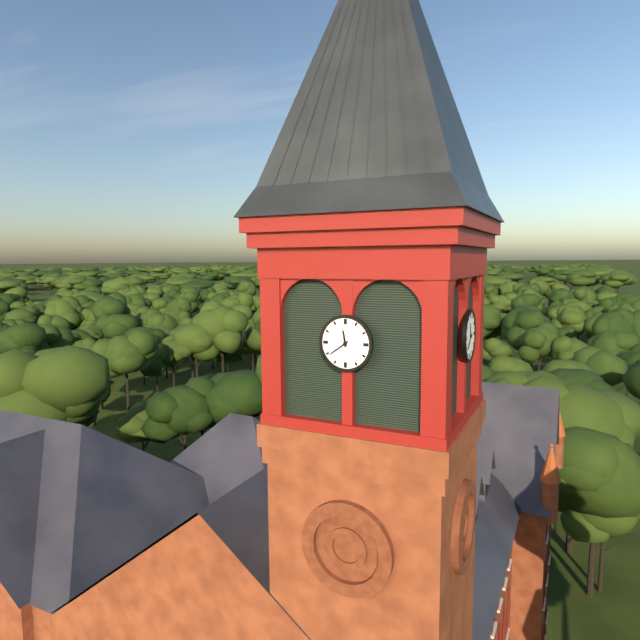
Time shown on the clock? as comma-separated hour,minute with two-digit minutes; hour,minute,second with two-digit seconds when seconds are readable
11,39
